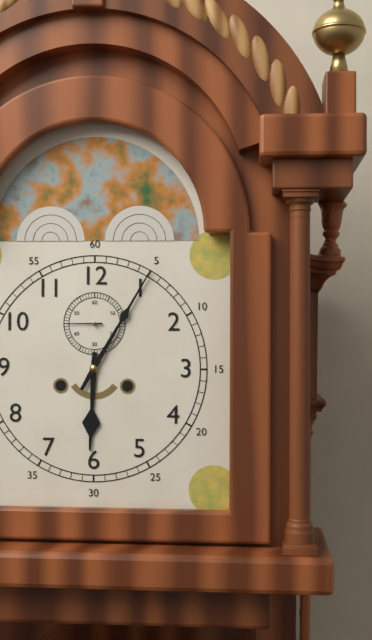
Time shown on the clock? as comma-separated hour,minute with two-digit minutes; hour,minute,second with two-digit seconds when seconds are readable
6,05
